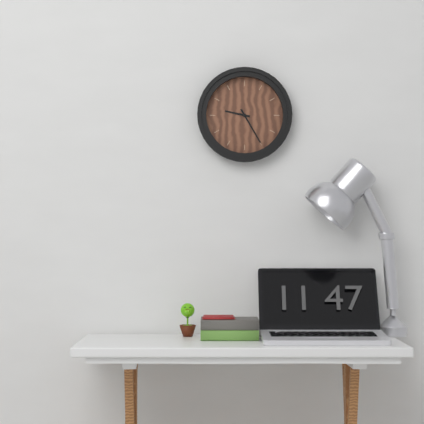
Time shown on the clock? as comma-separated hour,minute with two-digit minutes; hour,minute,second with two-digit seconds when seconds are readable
9,25
